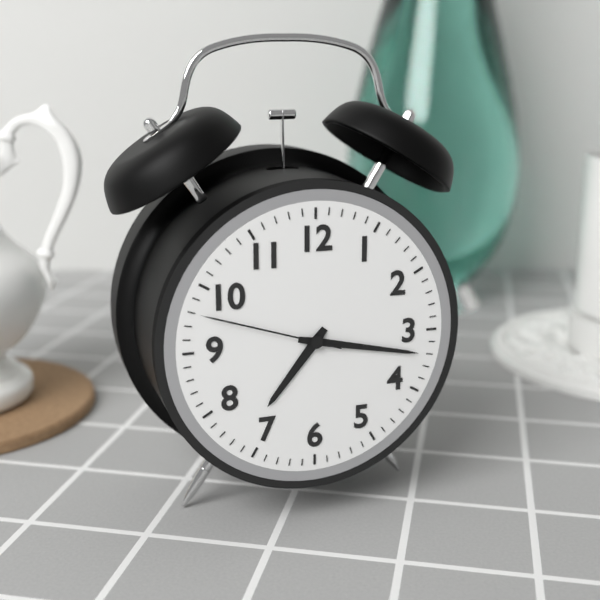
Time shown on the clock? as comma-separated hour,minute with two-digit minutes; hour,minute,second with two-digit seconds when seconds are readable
7,17,48
